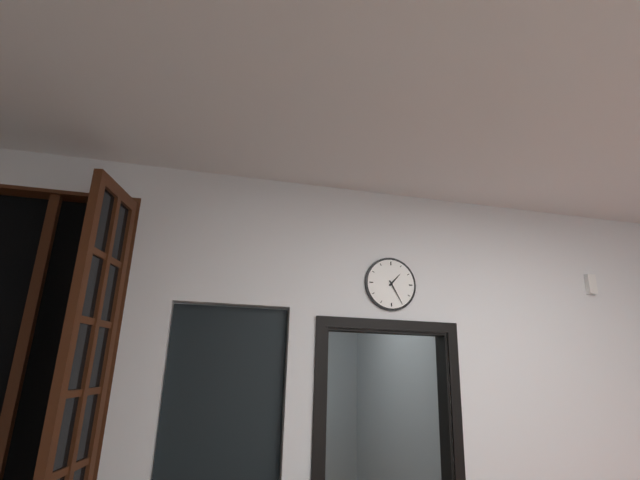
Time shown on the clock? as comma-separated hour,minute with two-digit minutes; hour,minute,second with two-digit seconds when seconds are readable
1,25
